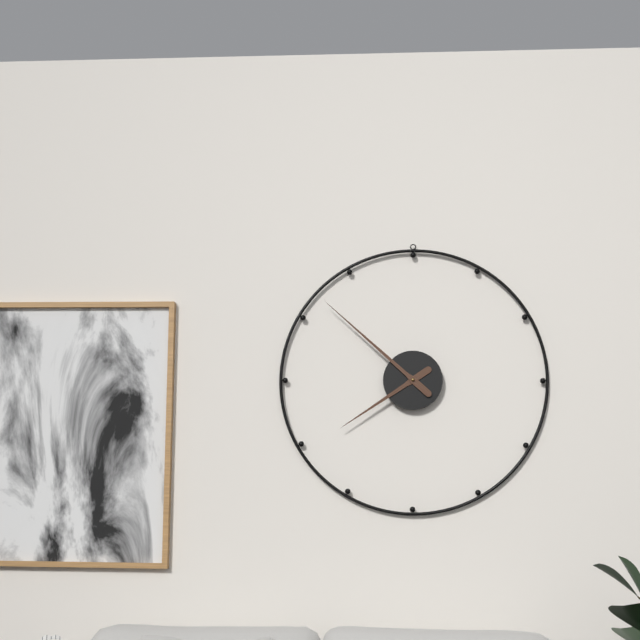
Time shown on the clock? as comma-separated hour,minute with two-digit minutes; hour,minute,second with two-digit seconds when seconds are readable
7,52
